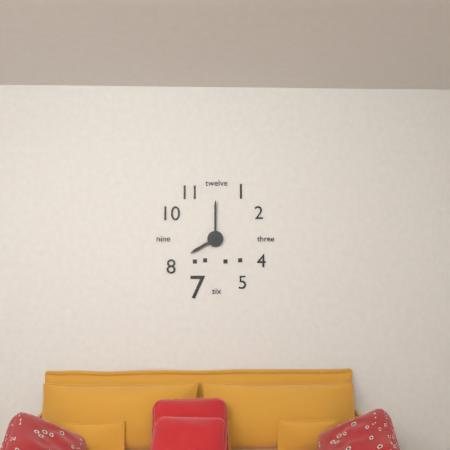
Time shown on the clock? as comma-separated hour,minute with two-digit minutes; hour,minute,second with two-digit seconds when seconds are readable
8,00
